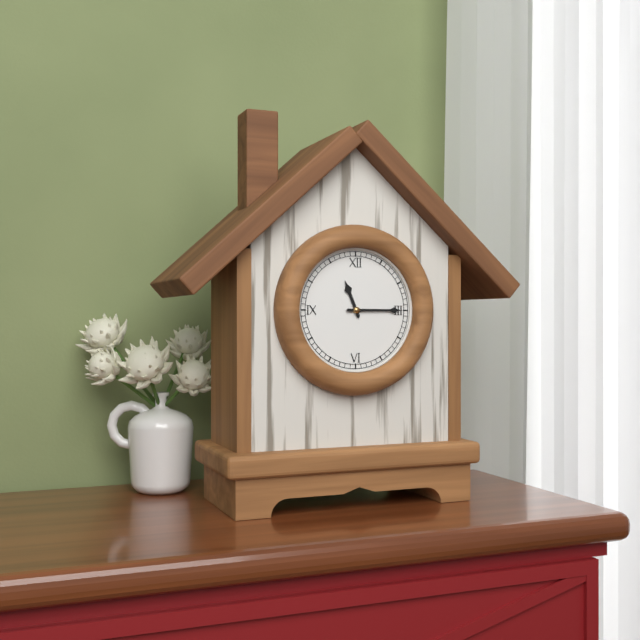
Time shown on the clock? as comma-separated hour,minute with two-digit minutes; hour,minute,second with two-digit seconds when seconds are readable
11,15
